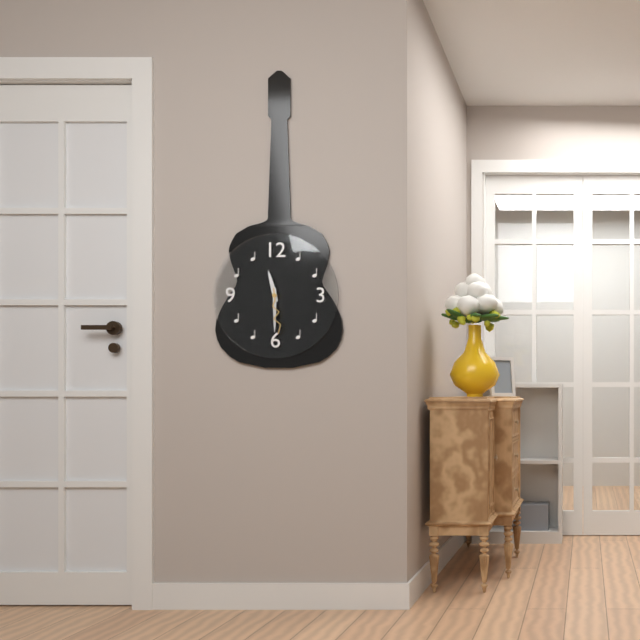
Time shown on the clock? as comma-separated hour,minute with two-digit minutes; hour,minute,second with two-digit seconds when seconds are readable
11,30
